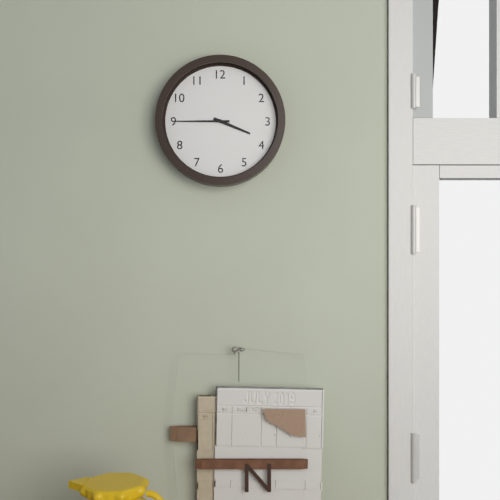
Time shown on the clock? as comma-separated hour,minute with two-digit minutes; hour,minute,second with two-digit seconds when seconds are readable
3,45
